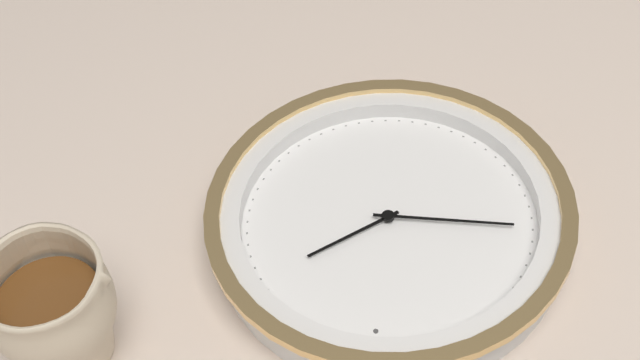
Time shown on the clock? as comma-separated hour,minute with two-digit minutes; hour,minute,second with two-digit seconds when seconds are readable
1,45
